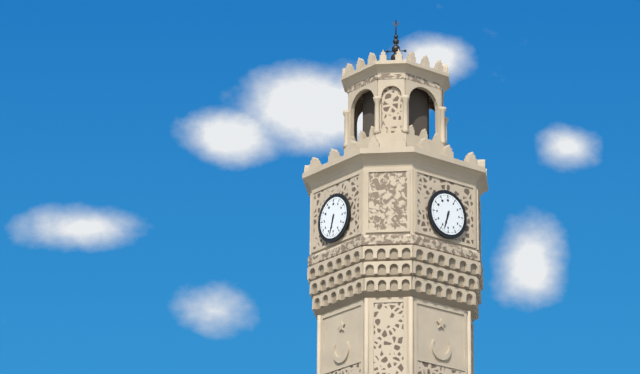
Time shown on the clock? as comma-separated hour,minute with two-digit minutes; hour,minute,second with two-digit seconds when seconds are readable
6,33
